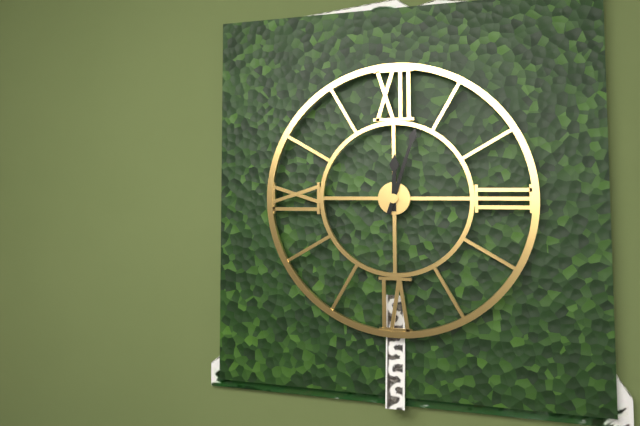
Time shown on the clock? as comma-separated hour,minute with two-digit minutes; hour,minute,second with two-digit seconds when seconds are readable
12,03
